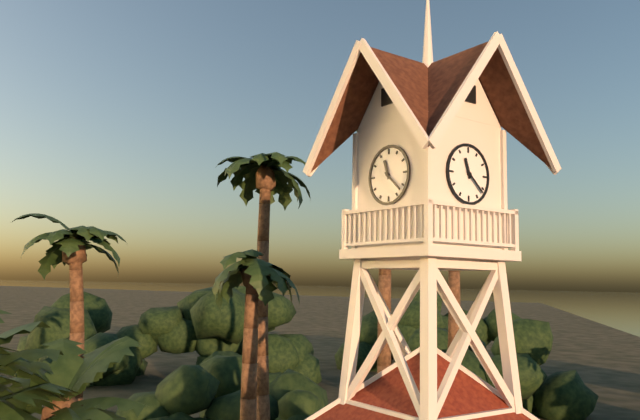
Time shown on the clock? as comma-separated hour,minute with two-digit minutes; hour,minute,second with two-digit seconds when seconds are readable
11,22
